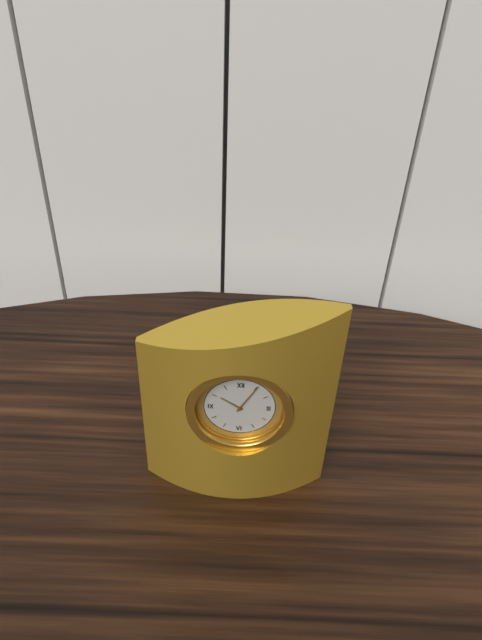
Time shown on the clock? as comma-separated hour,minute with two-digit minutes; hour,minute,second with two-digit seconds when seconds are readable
10,05
